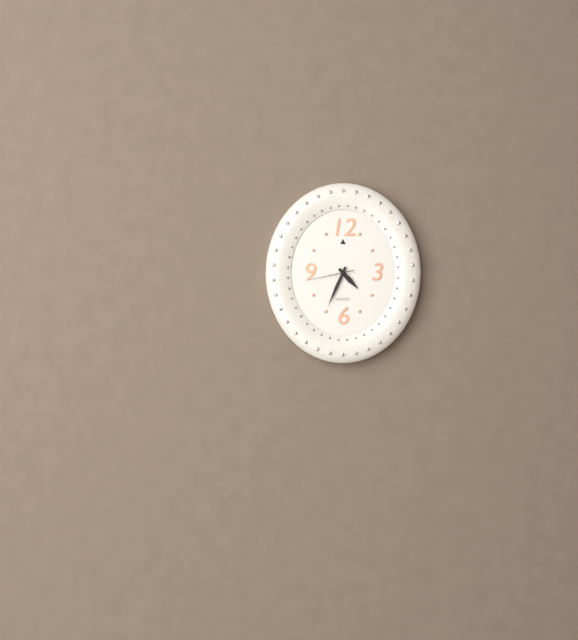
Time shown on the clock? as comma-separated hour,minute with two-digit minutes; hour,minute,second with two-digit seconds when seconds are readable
4,34,43
